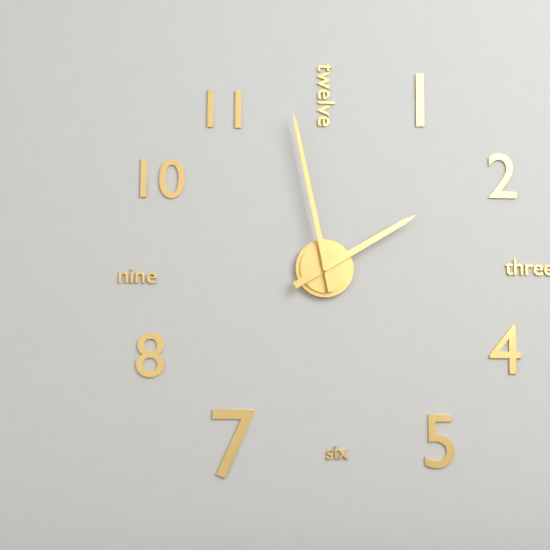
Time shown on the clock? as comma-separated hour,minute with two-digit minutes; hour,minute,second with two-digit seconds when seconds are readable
1,58
